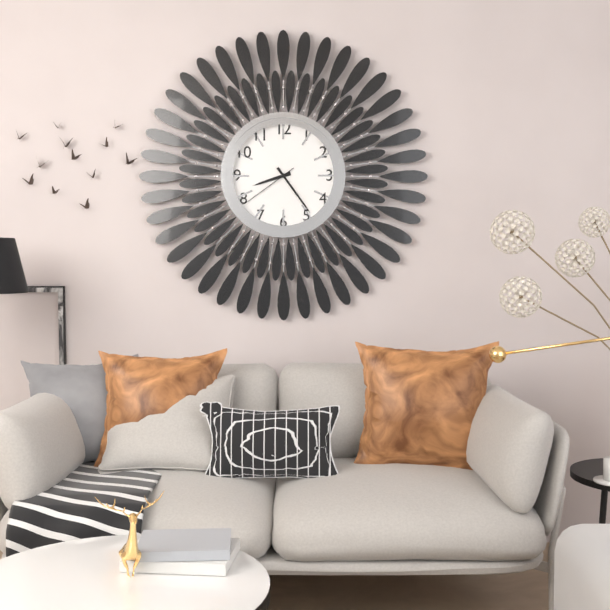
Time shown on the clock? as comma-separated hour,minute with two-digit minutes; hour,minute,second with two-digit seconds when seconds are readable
8,24,39
